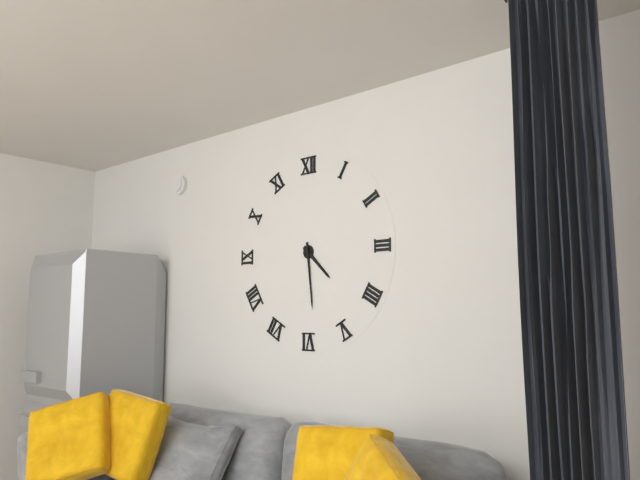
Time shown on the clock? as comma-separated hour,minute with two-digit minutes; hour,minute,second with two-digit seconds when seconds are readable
4,29
